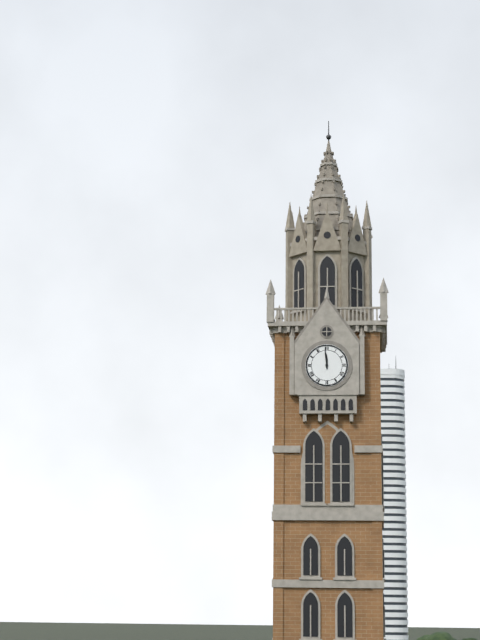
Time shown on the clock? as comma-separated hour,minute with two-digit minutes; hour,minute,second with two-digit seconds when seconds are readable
11,59
